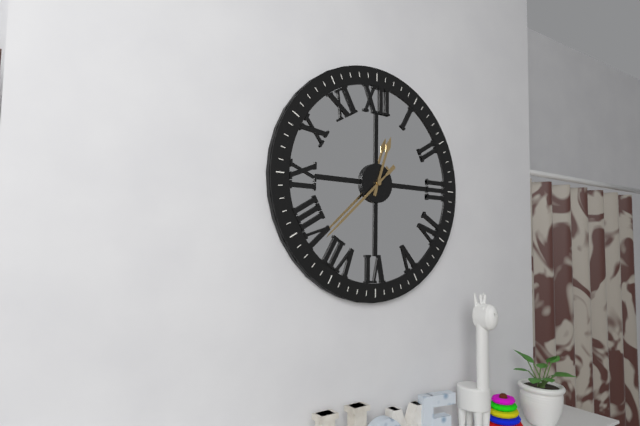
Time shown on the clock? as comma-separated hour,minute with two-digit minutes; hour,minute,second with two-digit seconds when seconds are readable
12,38
